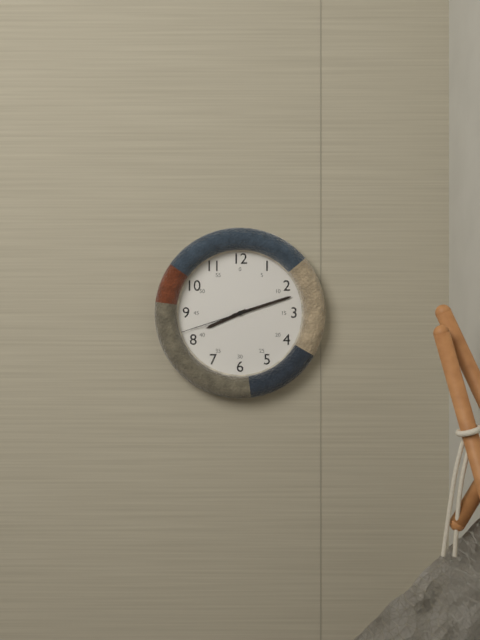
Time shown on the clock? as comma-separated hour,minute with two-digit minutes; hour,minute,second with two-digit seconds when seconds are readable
8,12,42
